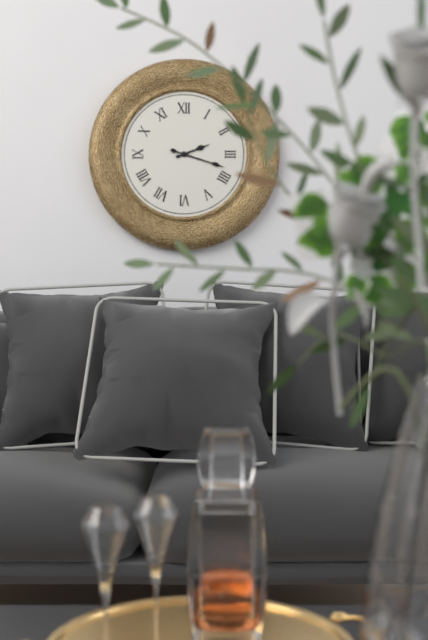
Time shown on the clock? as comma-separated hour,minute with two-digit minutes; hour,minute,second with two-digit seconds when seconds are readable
2,18
